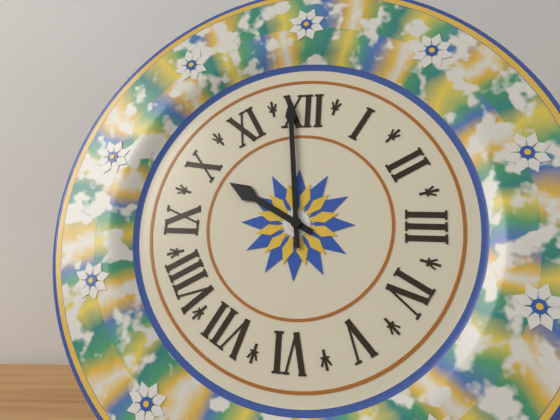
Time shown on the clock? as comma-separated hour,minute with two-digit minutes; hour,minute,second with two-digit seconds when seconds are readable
9,59
